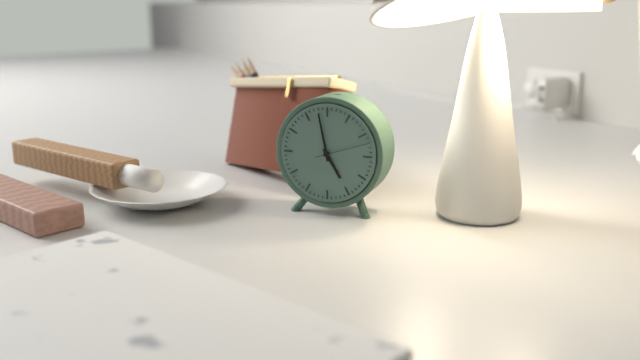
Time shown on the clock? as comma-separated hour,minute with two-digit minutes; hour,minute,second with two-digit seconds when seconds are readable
4,58,12
